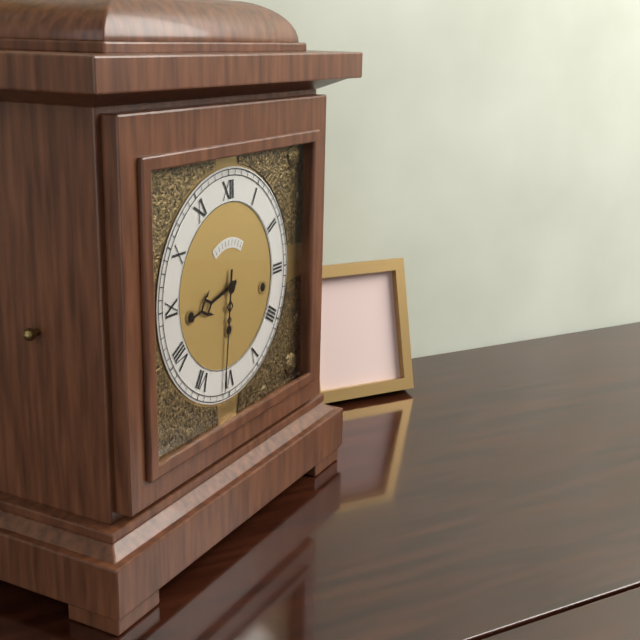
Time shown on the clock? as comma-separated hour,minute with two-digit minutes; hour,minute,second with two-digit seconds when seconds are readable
8,31
